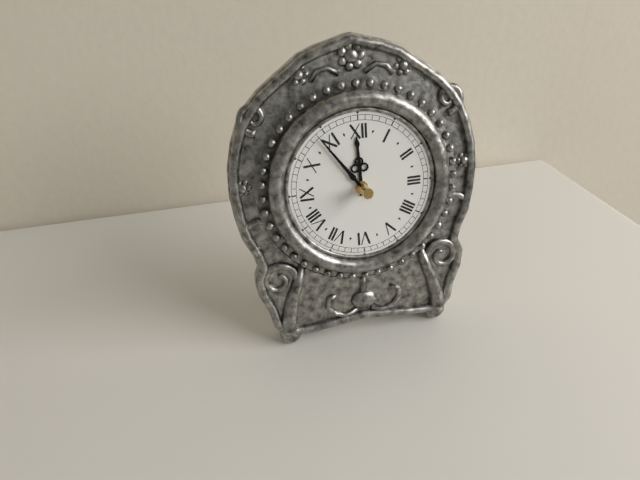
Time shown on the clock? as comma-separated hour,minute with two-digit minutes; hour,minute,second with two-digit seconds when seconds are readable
11,54
